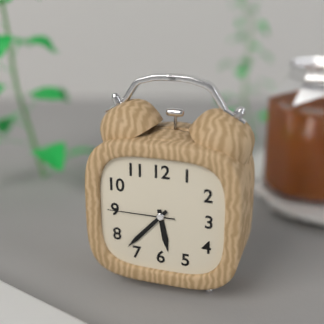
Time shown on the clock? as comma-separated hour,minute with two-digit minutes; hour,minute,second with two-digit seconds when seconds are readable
5,37,45
